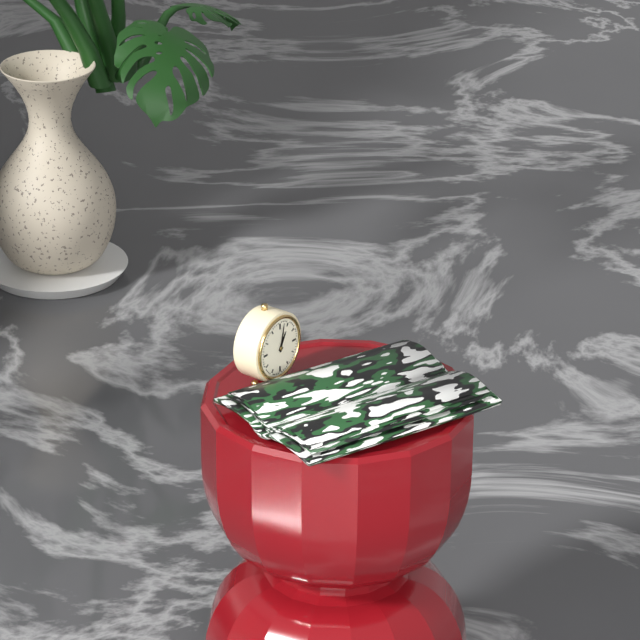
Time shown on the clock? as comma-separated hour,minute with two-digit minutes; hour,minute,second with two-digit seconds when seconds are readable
1,02
